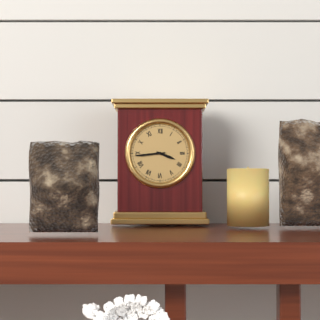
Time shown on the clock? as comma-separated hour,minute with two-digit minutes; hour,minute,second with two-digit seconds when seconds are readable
3,44
